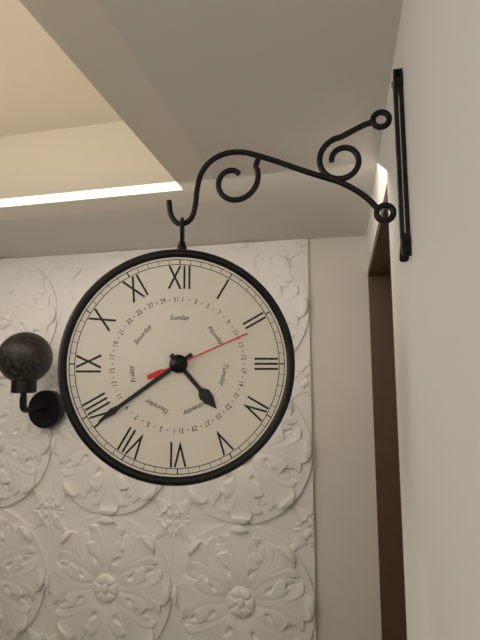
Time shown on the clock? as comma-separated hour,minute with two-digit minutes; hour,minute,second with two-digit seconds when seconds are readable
4,39,11
